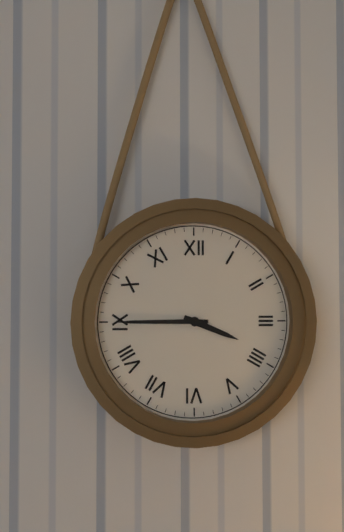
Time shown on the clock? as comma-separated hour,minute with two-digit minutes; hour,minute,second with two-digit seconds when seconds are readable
3,45
